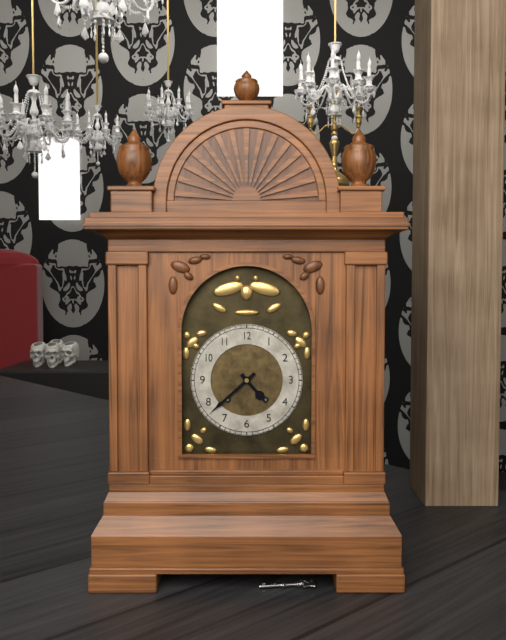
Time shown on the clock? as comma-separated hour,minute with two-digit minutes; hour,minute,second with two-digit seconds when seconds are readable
4,38
